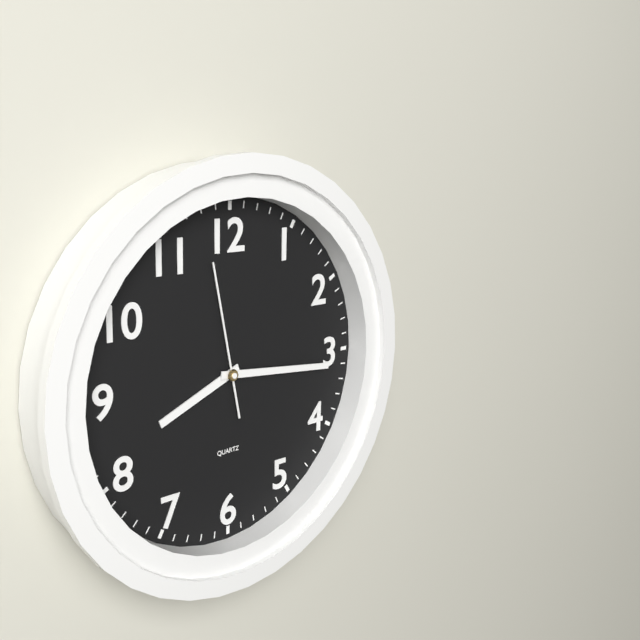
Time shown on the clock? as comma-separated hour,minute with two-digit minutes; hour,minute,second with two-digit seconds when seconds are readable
8,16,58
